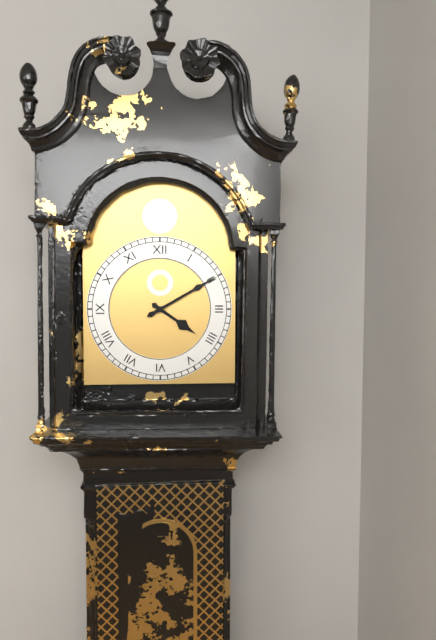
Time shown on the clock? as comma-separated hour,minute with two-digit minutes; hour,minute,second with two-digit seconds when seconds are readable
4,10
